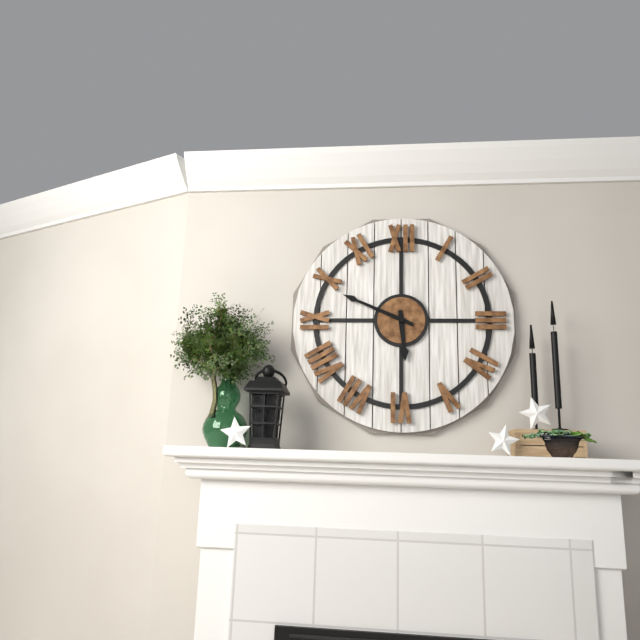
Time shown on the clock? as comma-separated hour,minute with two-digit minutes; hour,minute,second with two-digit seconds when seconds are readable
5,49
